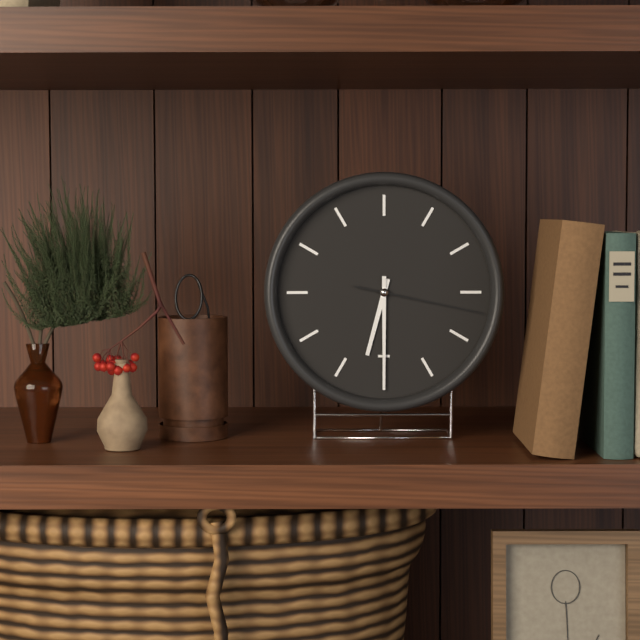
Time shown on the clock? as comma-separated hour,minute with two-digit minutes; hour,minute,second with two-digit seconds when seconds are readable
6,30,17
